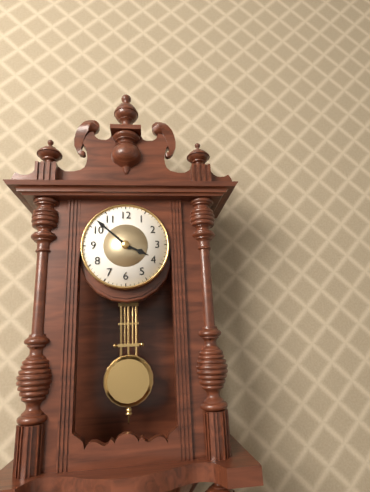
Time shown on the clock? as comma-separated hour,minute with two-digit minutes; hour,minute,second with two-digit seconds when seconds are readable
3,52
